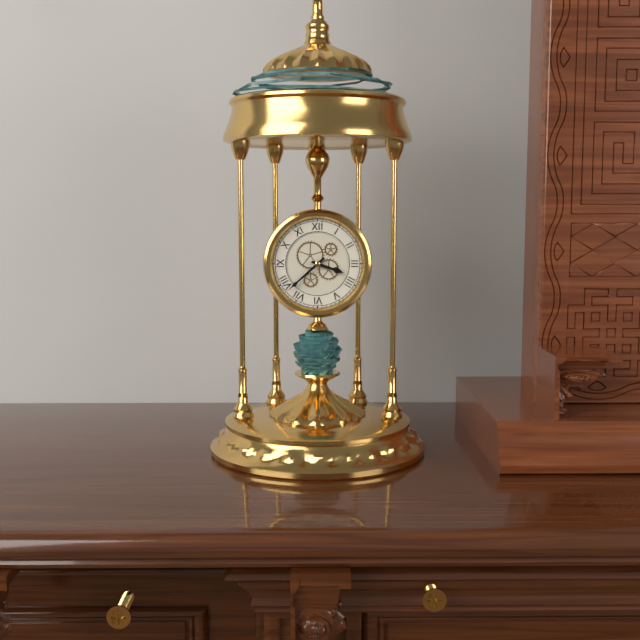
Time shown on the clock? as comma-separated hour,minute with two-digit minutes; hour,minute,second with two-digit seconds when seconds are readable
3,38
